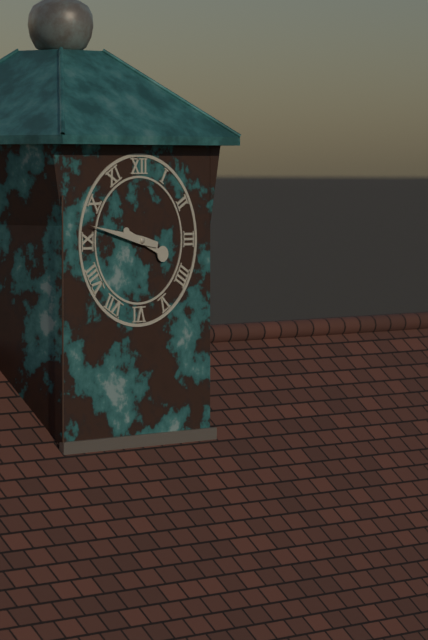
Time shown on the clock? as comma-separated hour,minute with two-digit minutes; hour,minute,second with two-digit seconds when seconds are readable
3,47
